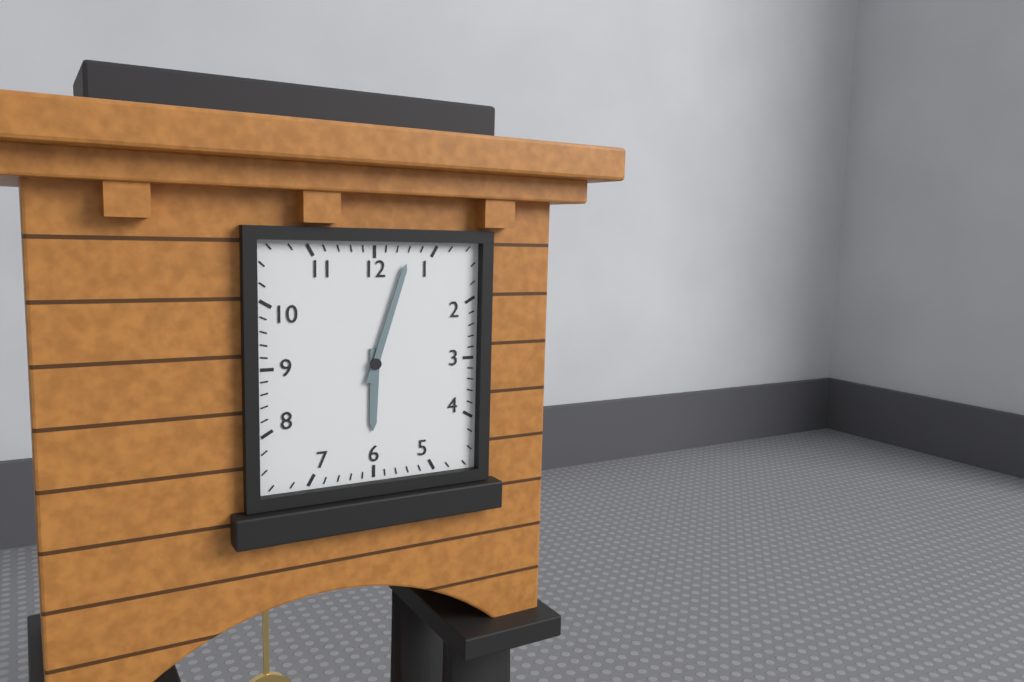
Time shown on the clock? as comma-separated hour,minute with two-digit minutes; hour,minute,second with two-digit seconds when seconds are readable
6,03
